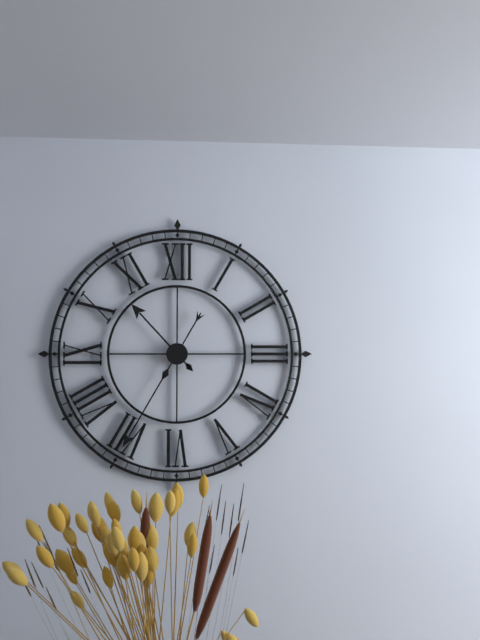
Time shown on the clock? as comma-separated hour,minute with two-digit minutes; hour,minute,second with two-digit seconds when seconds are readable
10,35
